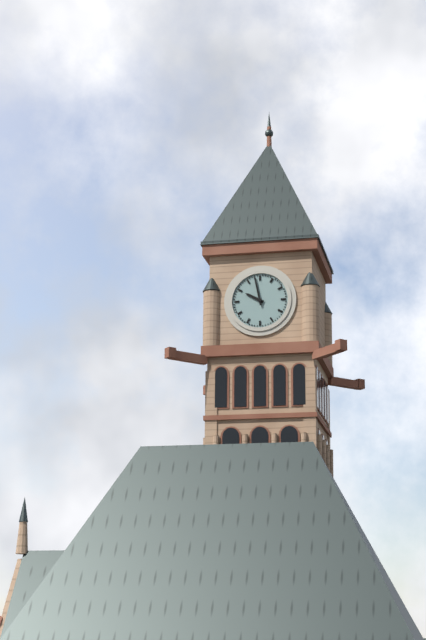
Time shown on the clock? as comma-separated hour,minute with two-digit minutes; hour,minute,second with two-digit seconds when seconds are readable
9,58
